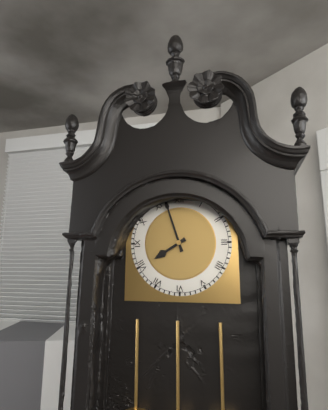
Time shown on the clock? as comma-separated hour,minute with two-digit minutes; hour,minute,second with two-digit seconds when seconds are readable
7,57
